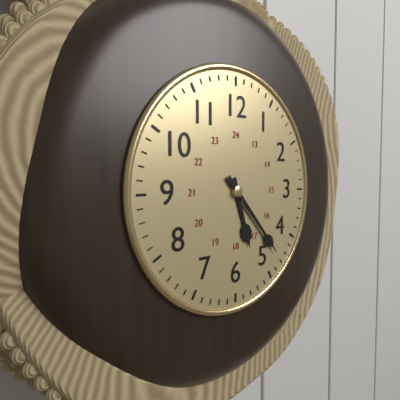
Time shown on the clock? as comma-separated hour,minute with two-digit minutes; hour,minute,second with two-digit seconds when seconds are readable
5,23
